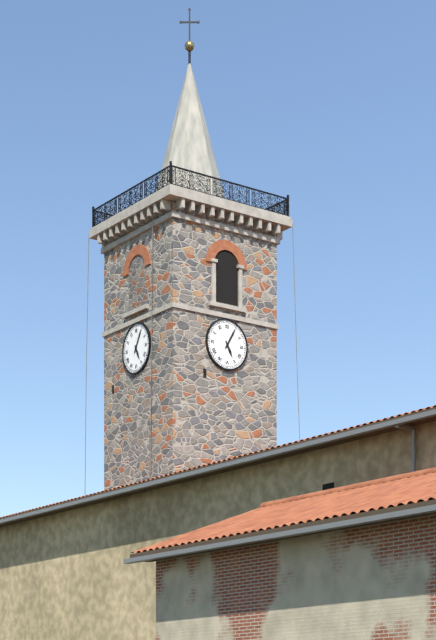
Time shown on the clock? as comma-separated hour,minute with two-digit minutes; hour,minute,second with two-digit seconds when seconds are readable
5,05
